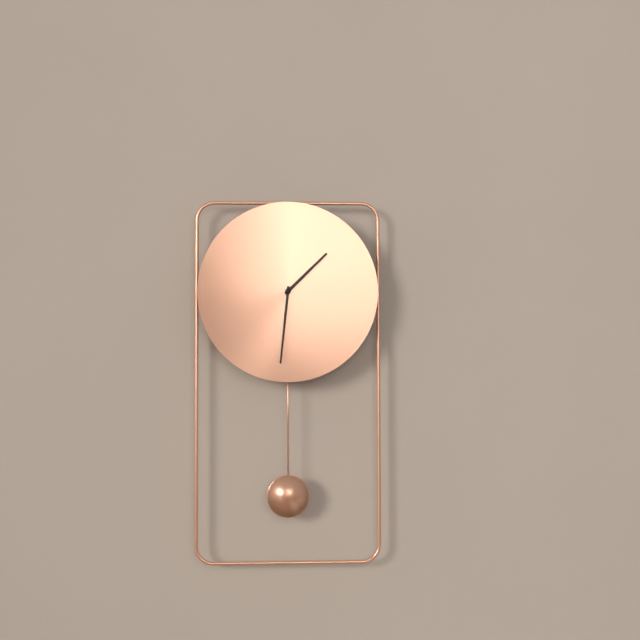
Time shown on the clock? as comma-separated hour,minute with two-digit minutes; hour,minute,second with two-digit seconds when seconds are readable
1,31
